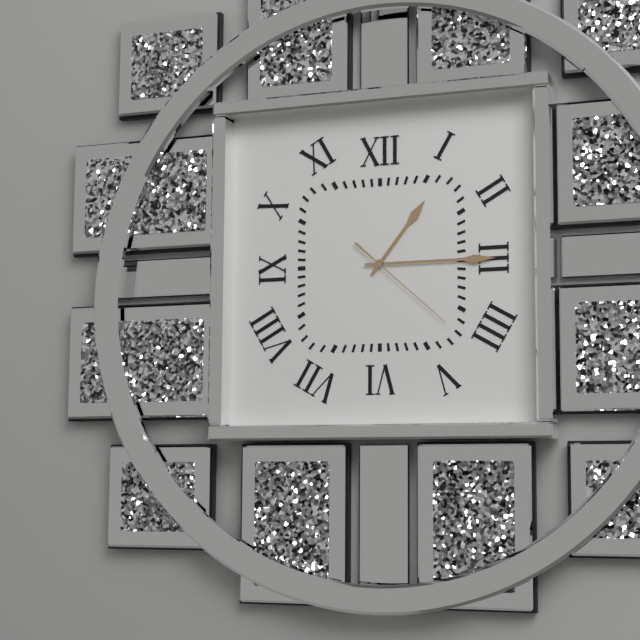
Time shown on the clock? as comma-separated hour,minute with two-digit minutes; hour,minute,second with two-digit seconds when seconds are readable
1,15,22
